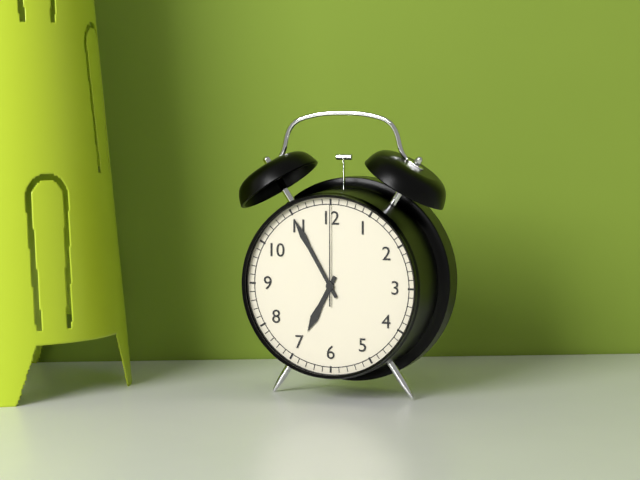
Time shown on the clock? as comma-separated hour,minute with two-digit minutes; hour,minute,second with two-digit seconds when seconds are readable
6,55,00
